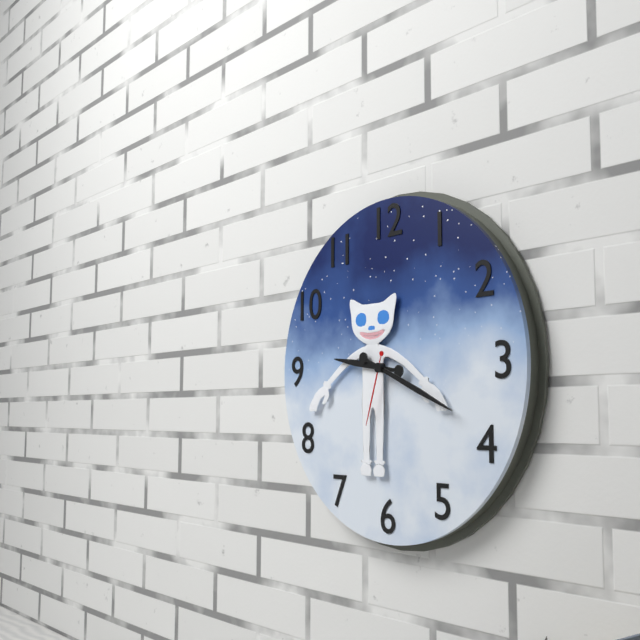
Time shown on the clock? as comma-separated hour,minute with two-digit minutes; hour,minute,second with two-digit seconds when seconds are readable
9,19,33
